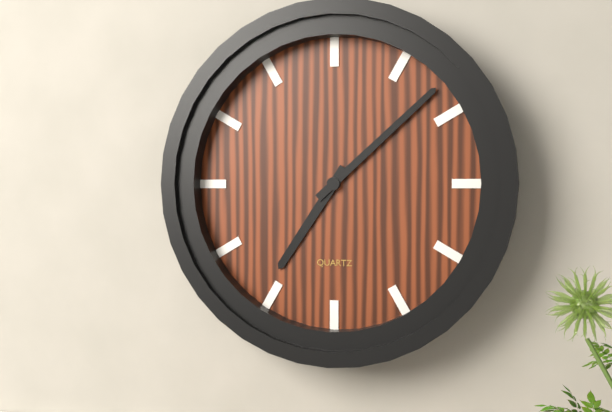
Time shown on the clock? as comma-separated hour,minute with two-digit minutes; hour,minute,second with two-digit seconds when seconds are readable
7,08
